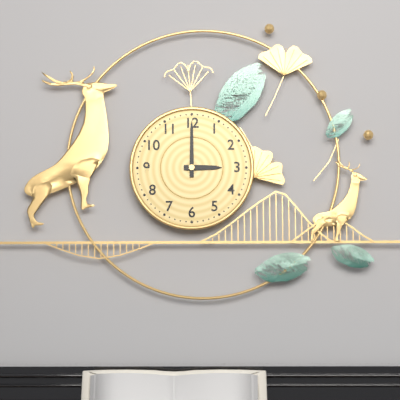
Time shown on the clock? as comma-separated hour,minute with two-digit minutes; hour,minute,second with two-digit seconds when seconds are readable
3,00
